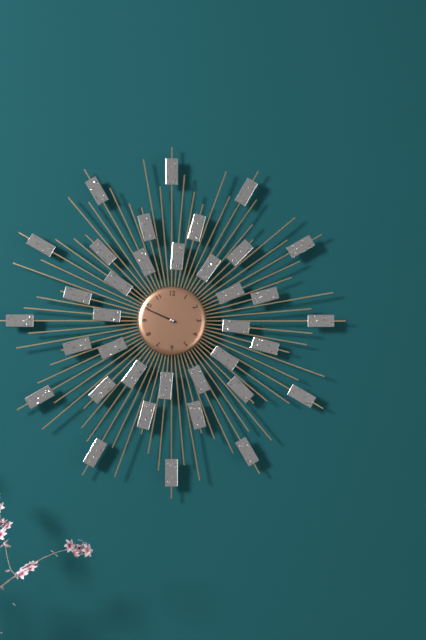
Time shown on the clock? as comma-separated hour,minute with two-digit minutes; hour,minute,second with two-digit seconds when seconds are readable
9,49
